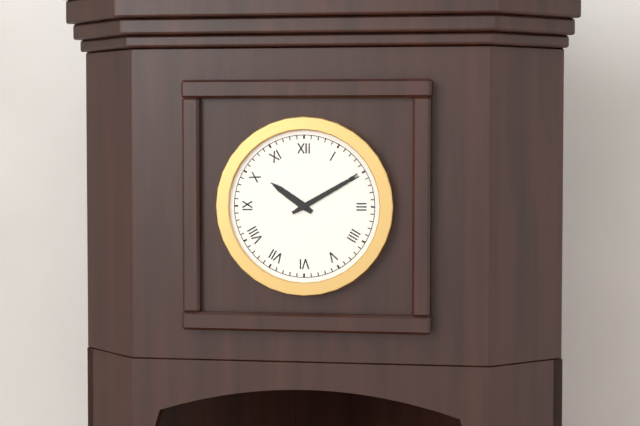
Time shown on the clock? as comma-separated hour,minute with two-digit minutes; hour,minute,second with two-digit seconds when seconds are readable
10,10
